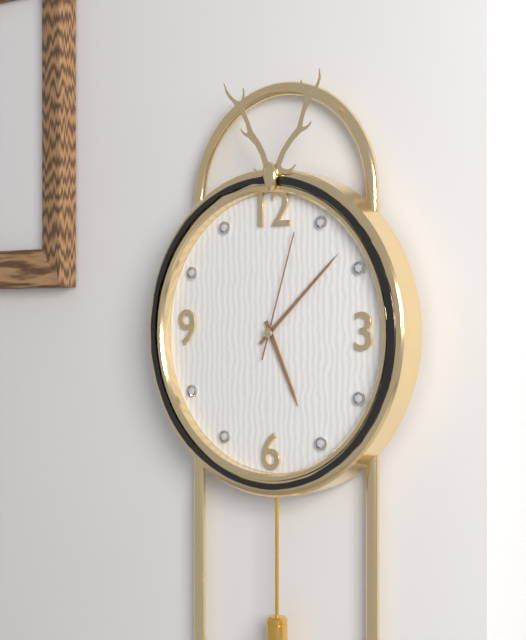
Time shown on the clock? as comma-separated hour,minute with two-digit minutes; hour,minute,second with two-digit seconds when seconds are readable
5,08,03
